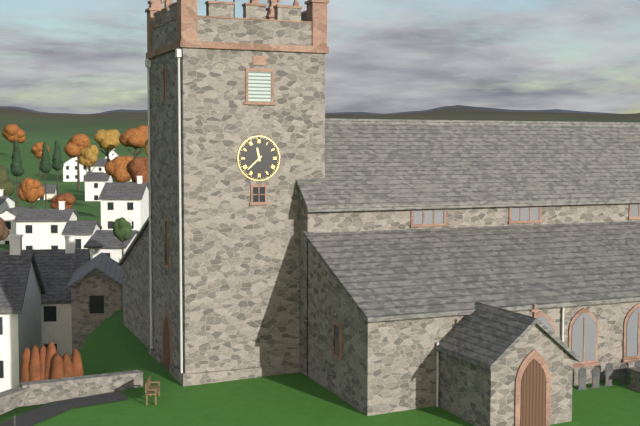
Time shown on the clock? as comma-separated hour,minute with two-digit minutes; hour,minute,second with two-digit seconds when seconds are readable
11,38
